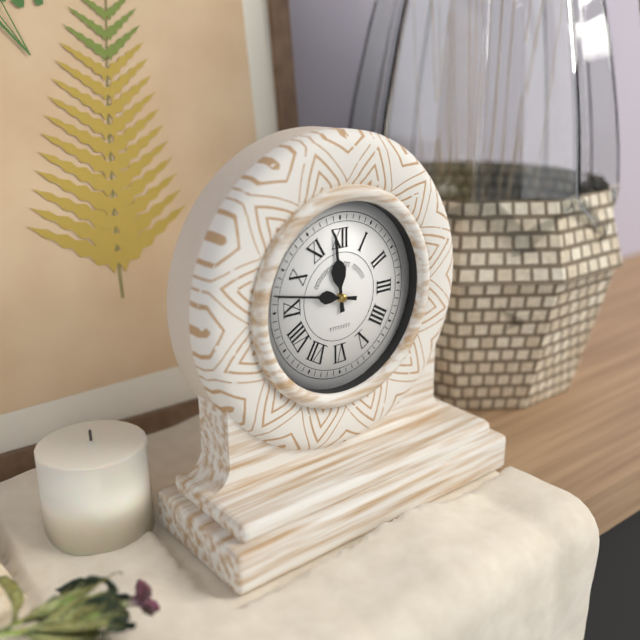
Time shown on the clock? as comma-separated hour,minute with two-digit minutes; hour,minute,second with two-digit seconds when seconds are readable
11,47
